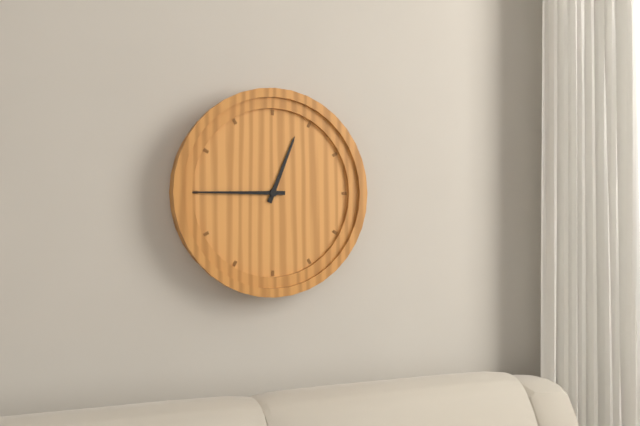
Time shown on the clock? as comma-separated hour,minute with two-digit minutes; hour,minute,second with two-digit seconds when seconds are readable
12,45
